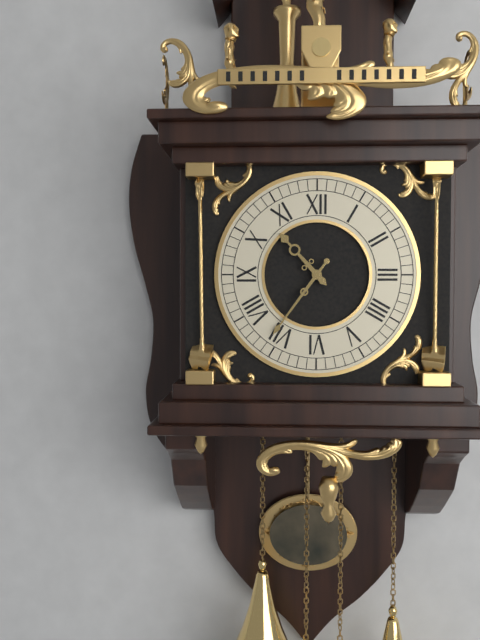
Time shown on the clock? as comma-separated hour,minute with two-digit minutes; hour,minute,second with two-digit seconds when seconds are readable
10,36
